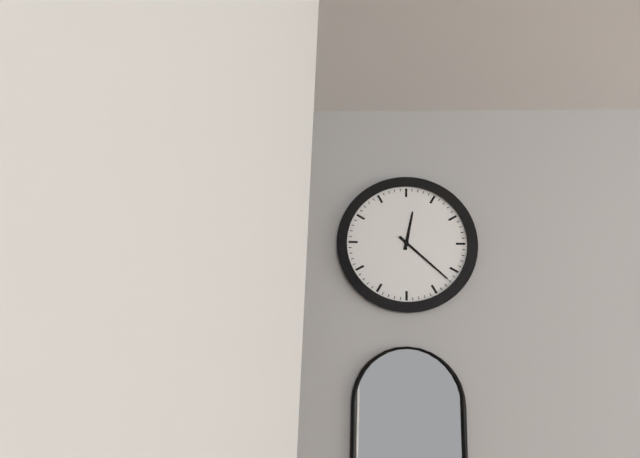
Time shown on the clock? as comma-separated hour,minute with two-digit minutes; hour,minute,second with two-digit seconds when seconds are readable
12,22
